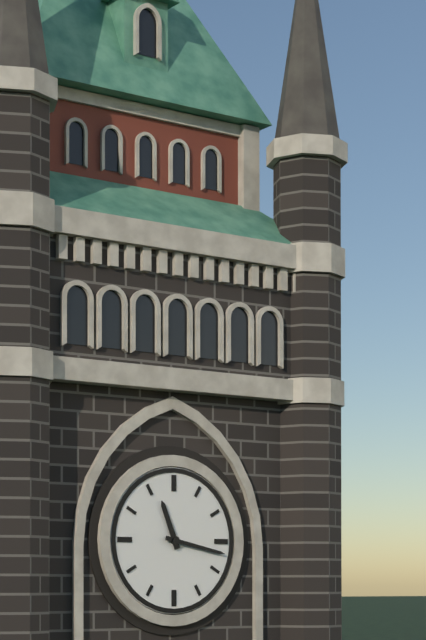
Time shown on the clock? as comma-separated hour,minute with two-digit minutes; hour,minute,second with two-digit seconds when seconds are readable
11,17
